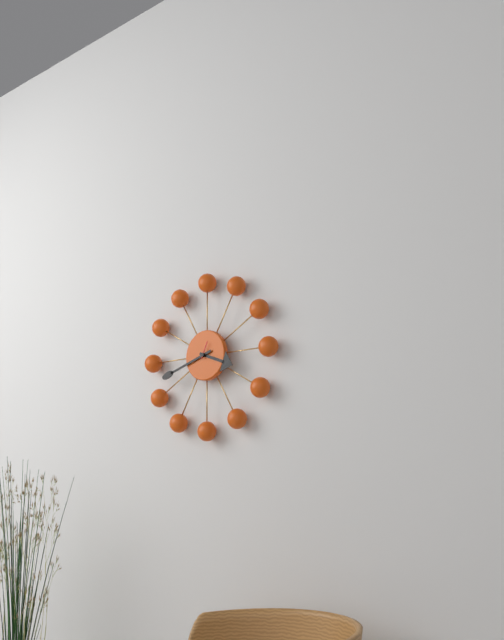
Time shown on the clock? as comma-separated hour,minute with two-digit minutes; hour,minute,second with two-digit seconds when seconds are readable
3,42
